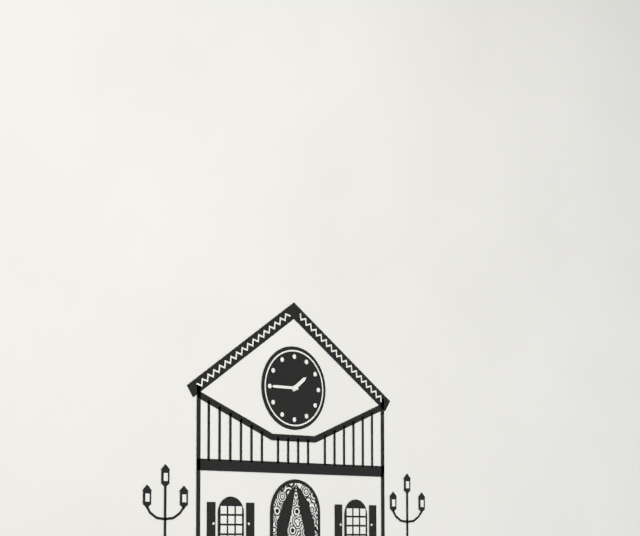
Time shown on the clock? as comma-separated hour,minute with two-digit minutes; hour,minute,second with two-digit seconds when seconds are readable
1,45
